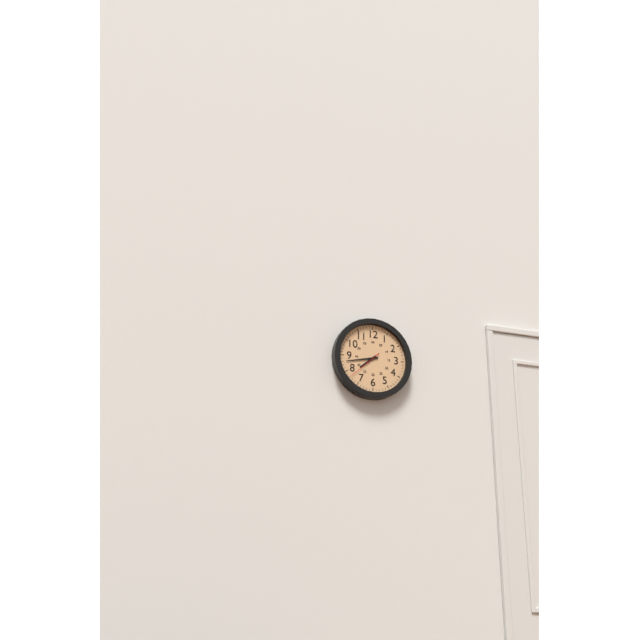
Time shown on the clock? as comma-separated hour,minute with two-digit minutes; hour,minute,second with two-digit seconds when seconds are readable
7,43
